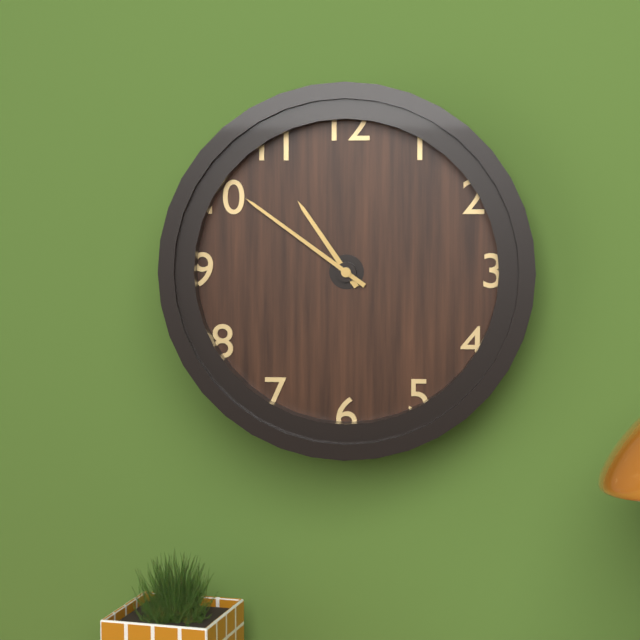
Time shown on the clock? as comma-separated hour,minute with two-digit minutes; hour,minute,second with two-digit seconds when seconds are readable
10,51
